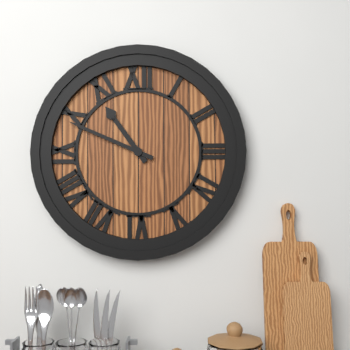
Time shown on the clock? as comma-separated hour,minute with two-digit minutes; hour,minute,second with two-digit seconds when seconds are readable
10,49
